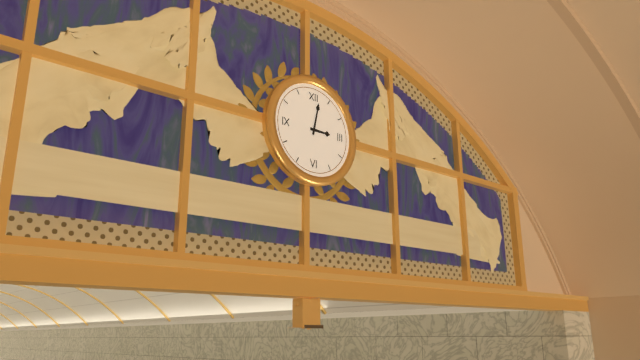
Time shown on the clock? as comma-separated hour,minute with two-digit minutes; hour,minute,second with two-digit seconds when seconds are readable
3,02
